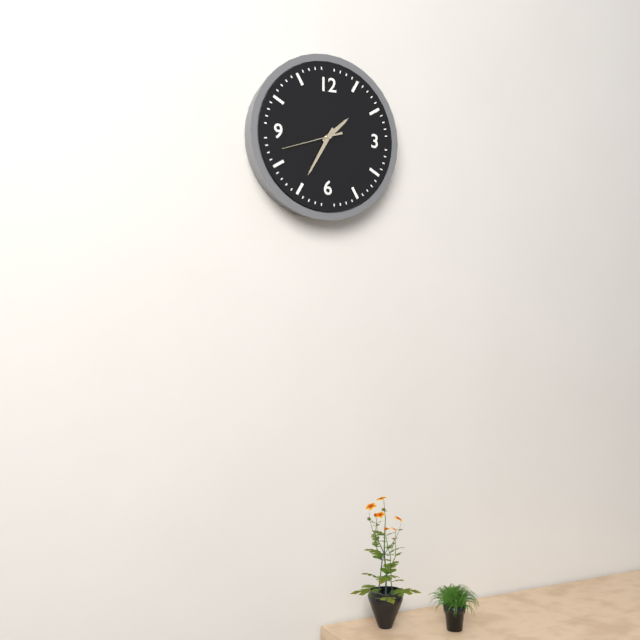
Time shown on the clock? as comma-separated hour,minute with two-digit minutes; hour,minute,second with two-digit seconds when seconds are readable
1,35,42
